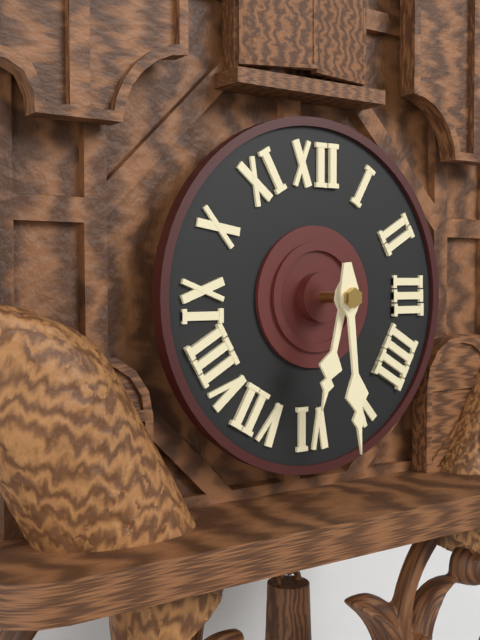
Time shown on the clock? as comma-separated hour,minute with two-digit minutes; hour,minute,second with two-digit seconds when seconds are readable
6,29
